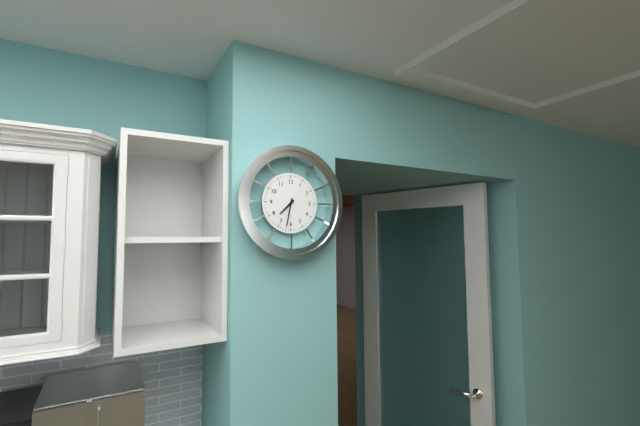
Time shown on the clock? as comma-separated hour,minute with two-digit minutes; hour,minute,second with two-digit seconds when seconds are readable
7,32
